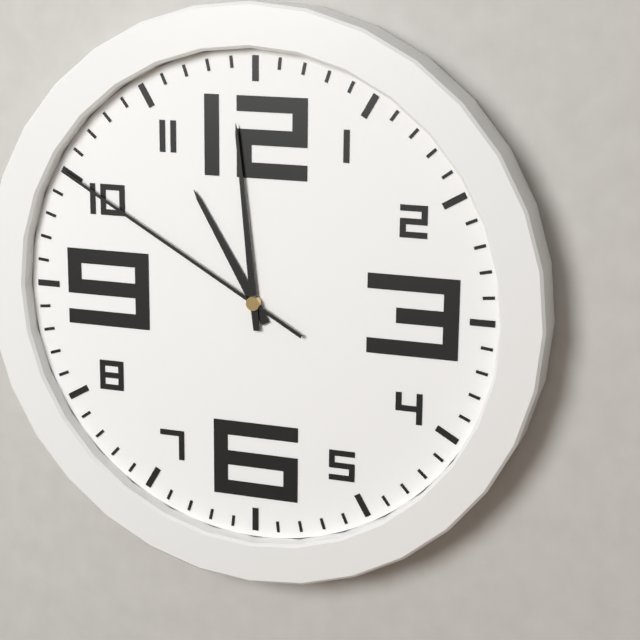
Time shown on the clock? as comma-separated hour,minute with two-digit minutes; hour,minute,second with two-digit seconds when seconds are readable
10,59,50
